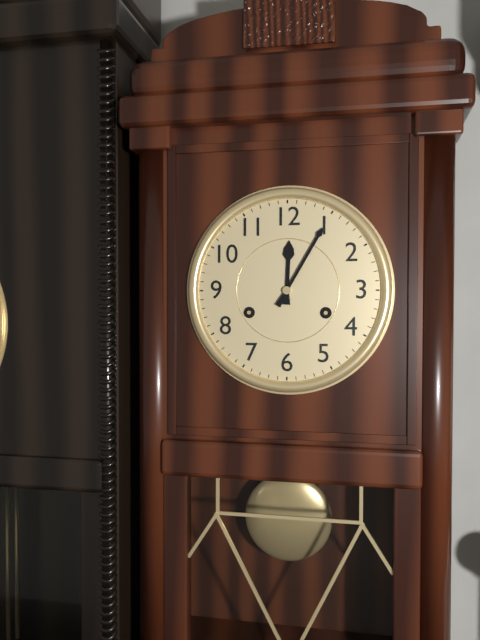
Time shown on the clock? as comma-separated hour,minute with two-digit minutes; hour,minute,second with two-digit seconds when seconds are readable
12,05
